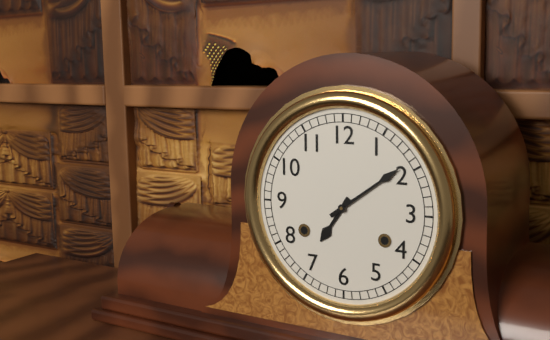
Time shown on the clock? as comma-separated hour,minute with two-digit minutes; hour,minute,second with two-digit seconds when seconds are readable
7,09
